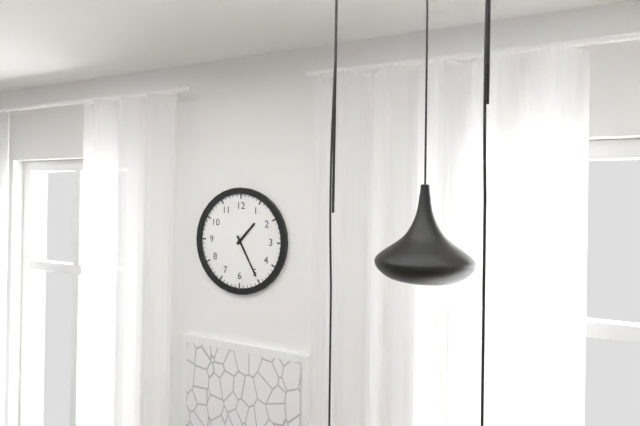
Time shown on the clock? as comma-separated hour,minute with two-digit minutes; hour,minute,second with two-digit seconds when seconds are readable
1,25
